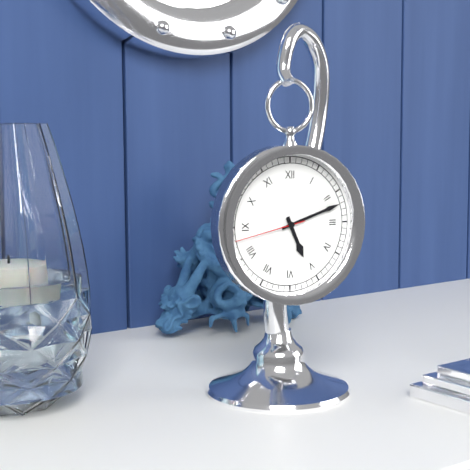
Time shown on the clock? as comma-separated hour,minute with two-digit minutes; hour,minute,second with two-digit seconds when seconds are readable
5,12,43
